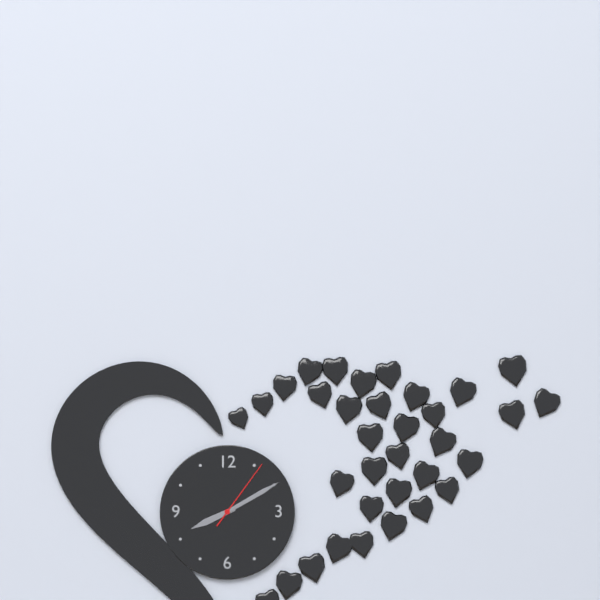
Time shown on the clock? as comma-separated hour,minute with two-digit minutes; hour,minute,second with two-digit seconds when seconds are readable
8,10,06
